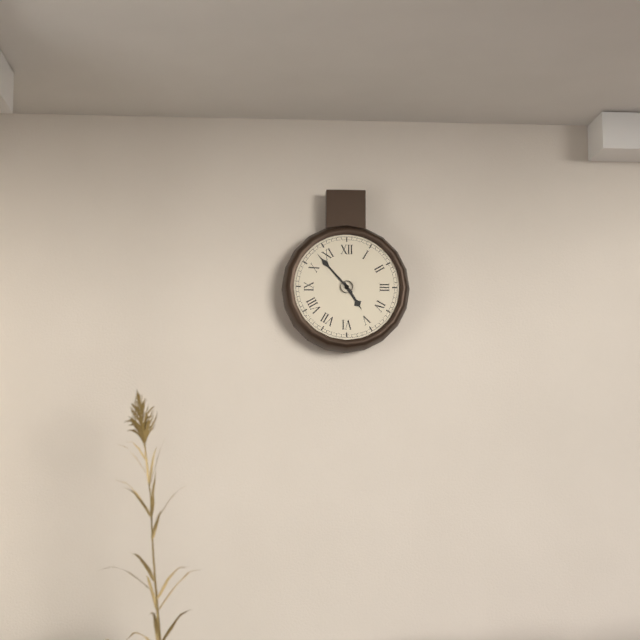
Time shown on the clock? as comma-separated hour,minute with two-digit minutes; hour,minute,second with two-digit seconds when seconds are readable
4,53
